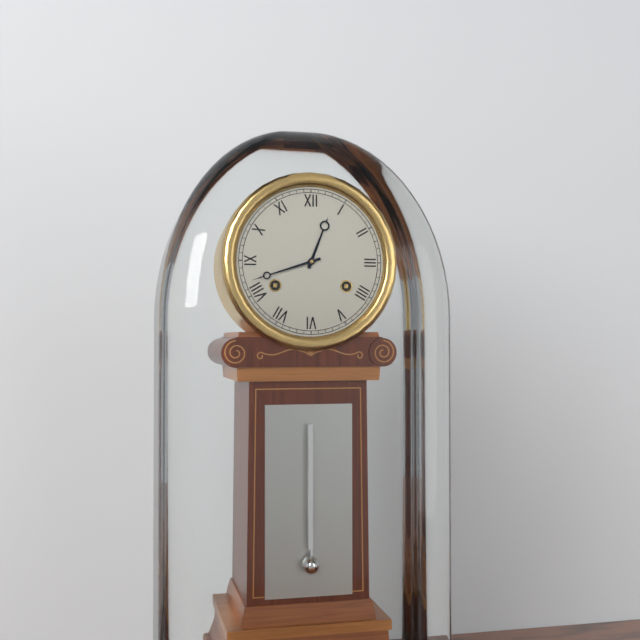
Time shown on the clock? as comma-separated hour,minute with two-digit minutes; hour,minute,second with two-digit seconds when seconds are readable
12,42
